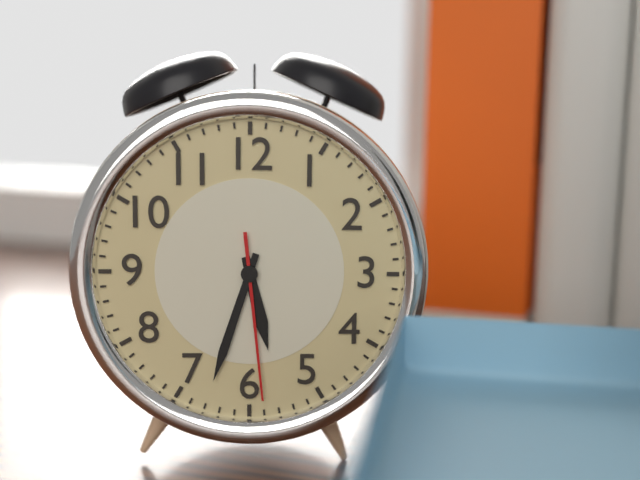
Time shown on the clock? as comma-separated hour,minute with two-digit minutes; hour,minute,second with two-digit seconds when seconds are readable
5,33,29
